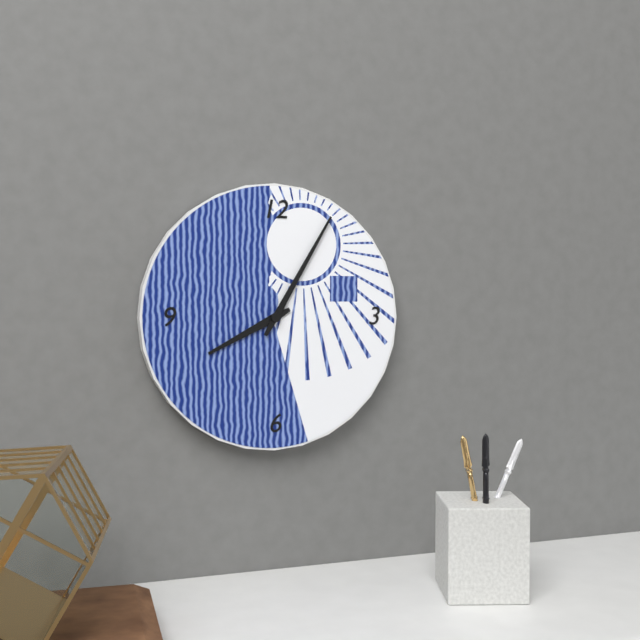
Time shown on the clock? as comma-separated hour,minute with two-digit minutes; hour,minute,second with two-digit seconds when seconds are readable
8,05
